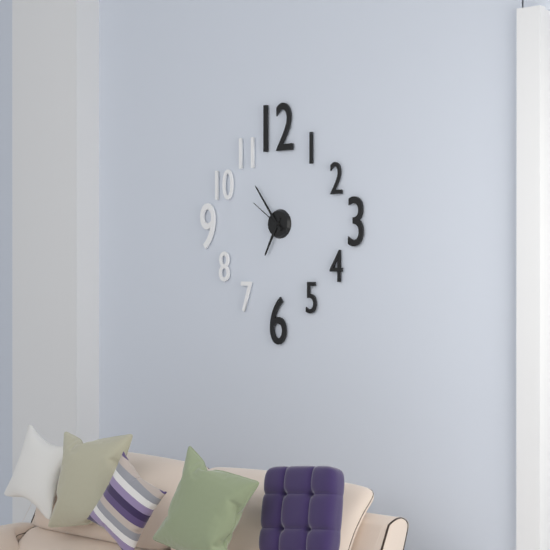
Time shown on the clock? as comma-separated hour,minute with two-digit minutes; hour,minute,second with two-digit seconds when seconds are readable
6,54
